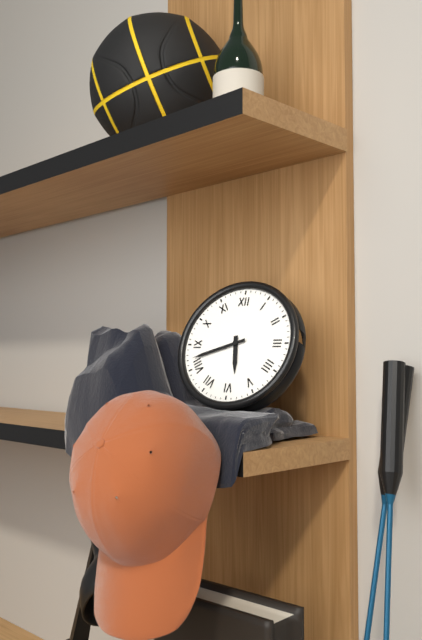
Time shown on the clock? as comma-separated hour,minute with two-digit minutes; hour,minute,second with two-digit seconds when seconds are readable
5,42
